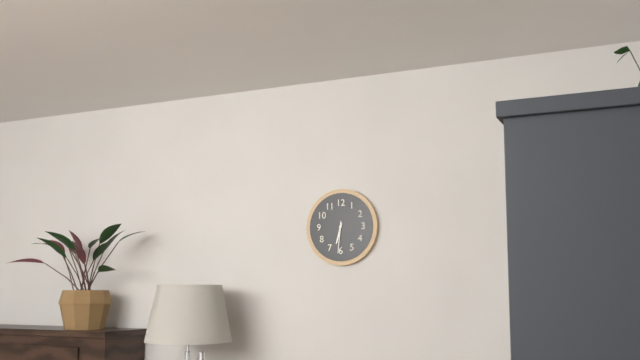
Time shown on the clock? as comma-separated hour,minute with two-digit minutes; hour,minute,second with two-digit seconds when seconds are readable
6,31
